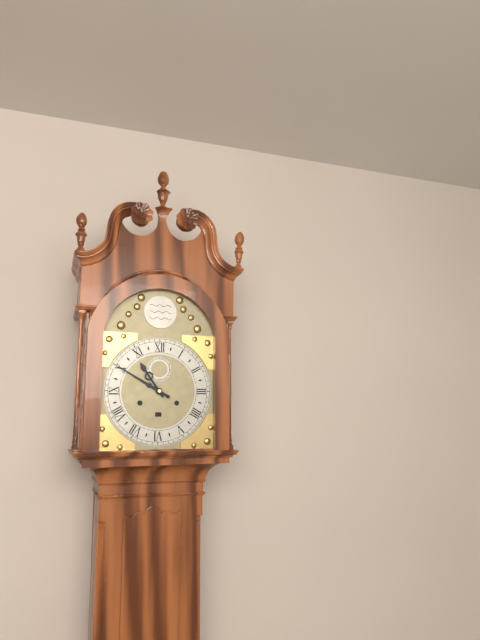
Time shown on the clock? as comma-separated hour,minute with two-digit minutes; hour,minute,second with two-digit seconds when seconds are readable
10,50
